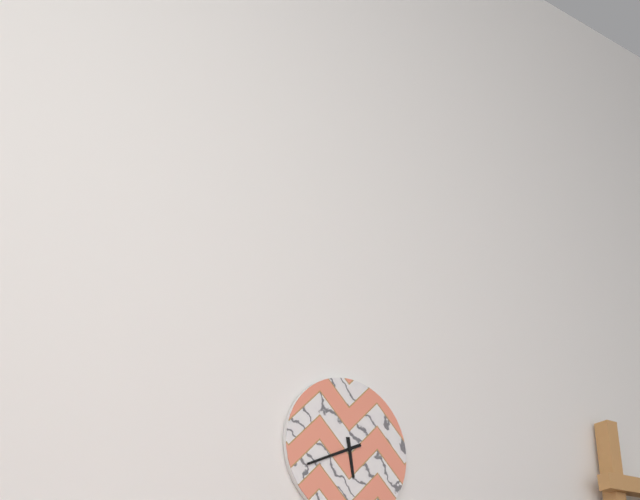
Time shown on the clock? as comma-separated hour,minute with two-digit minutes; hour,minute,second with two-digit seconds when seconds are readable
5,41
